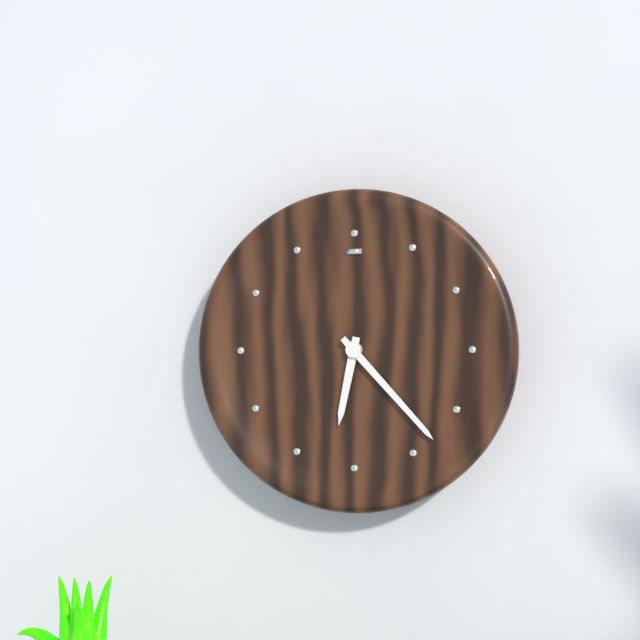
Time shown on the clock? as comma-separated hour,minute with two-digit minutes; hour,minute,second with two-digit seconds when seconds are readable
6,23
